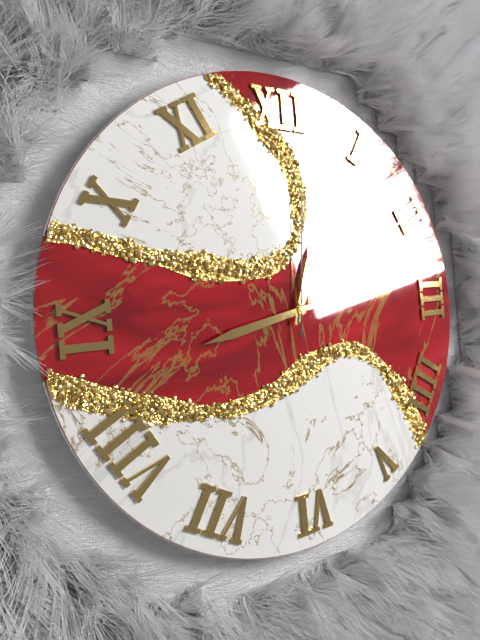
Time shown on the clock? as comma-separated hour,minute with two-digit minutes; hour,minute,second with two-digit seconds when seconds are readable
12,43,01
